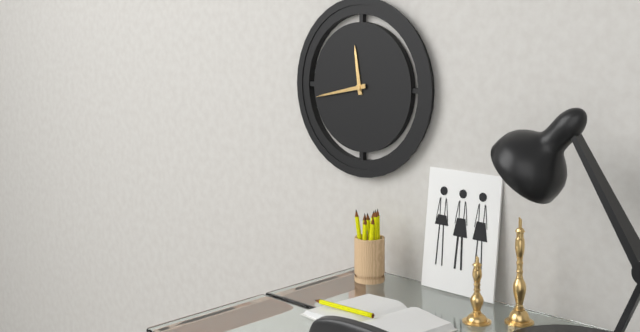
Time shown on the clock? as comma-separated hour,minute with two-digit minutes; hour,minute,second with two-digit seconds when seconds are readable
11,43
